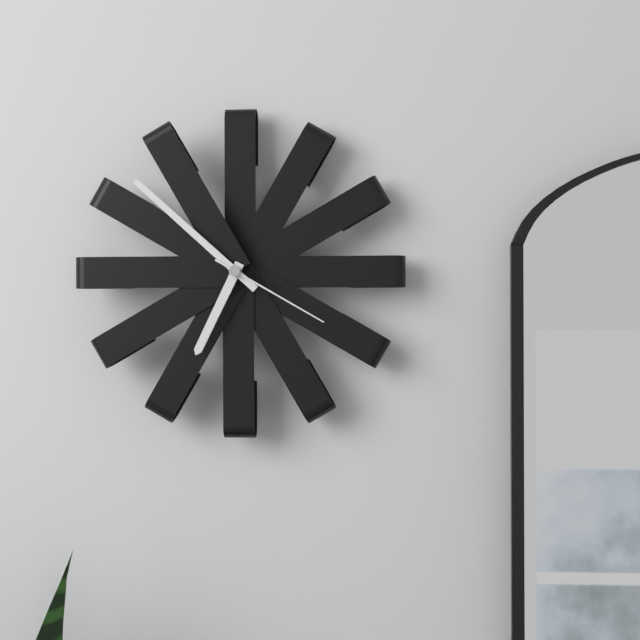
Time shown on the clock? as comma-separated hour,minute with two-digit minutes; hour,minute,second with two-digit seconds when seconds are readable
6,52,20
